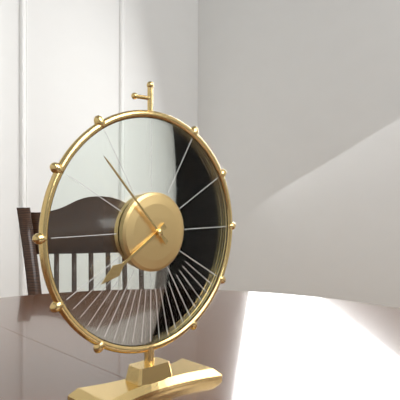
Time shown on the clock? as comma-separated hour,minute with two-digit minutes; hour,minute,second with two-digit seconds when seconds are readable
7,53
